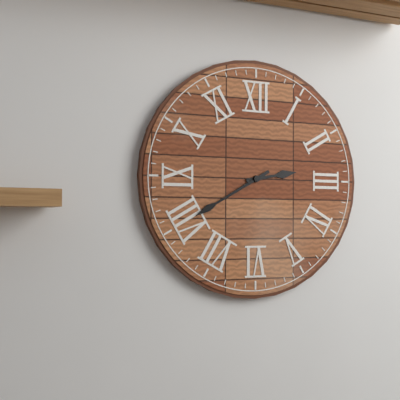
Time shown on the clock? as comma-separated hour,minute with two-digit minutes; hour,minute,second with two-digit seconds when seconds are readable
2,40
